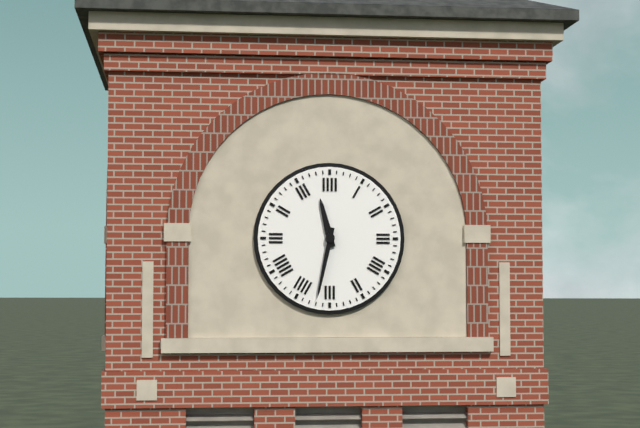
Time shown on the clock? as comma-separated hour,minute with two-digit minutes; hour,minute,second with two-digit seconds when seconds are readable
11,32
